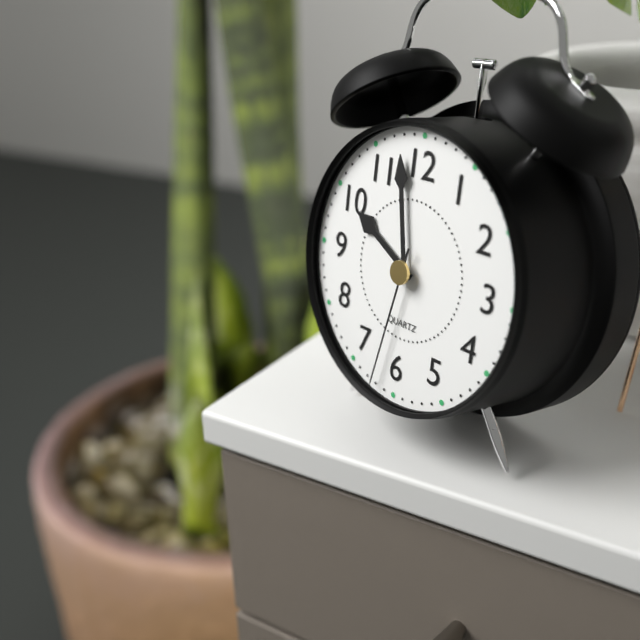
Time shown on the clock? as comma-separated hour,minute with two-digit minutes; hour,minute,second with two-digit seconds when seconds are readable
9,58,32
